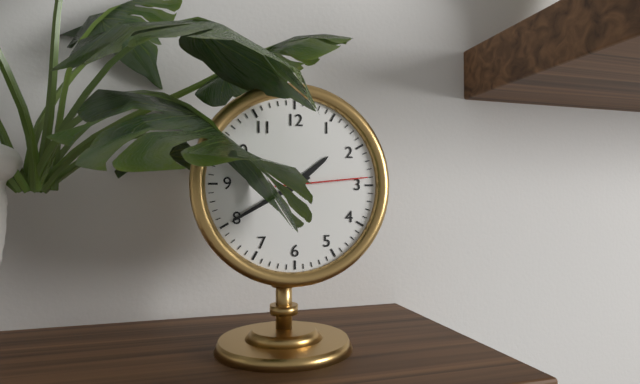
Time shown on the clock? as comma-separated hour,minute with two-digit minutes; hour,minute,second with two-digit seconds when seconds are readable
1,40,14
